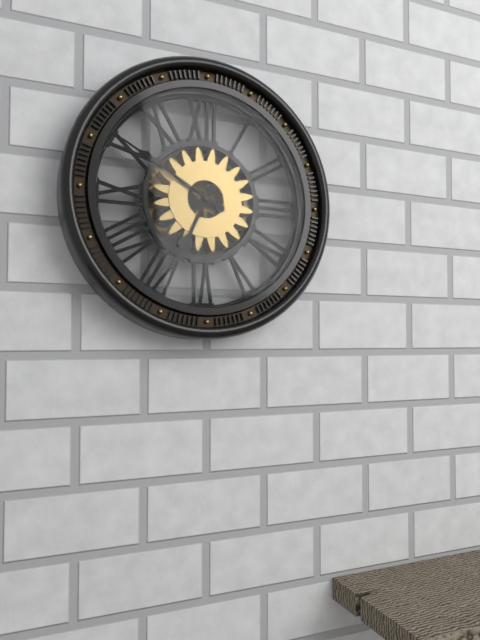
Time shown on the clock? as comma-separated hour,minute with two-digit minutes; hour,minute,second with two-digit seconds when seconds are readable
6,50
